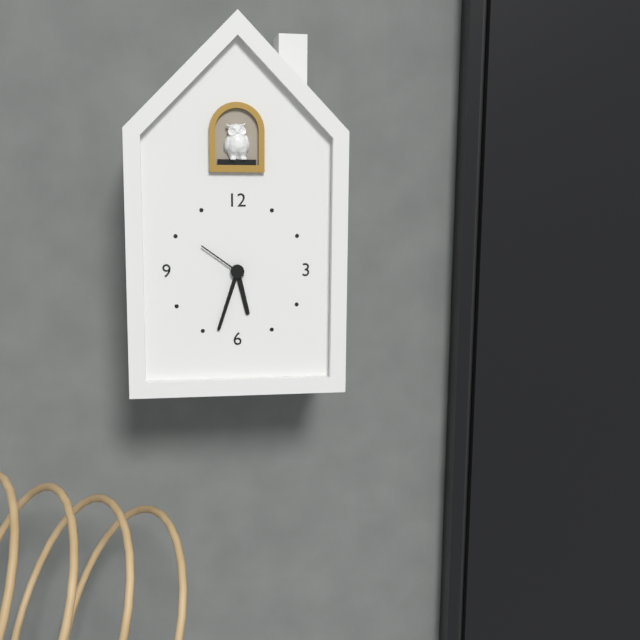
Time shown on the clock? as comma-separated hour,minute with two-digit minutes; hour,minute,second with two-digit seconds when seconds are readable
5,33,51
